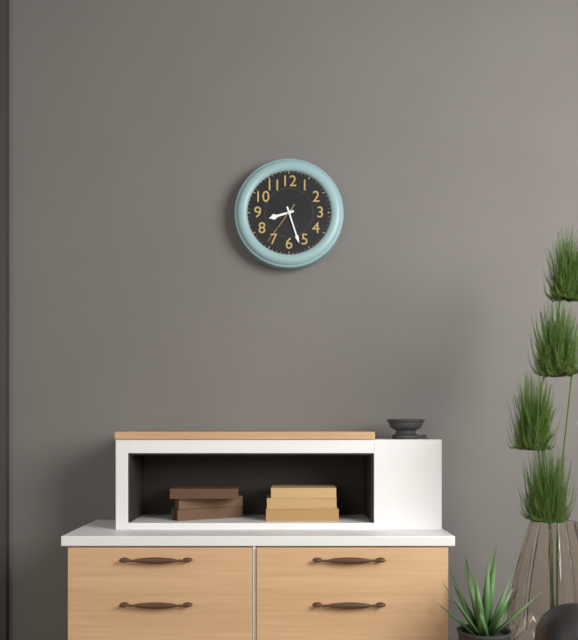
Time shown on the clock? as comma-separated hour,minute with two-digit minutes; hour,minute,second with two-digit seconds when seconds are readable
8,27
